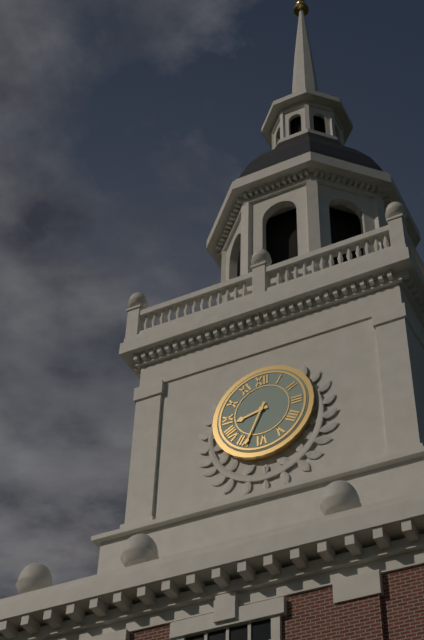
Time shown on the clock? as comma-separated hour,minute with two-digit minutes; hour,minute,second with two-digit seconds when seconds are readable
8,34
